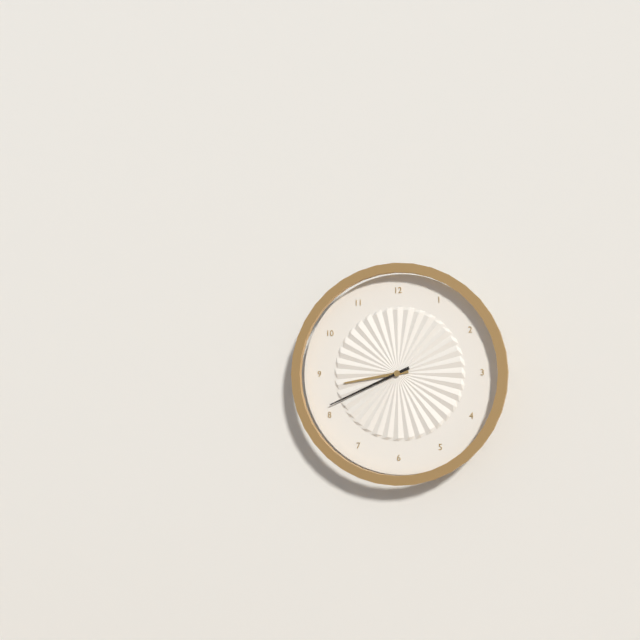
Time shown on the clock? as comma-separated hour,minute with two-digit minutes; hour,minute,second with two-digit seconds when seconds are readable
8,41
